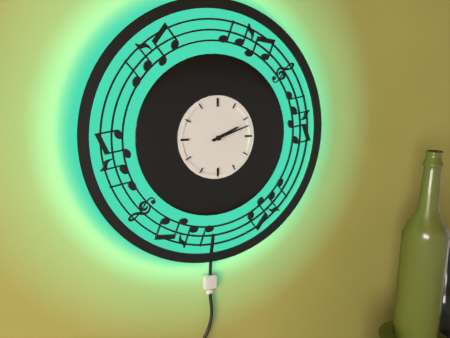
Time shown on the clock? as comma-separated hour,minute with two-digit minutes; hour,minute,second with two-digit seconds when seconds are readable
2,12
